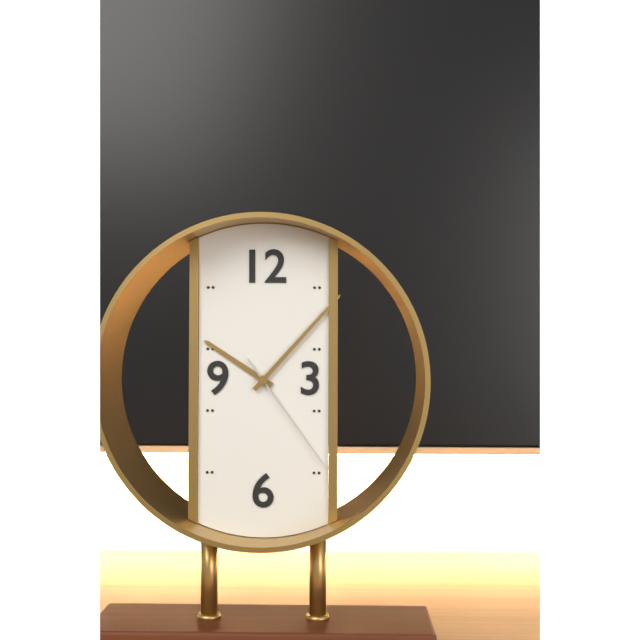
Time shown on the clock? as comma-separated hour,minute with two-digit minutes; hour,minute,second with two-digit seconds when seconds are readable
10,07,24
